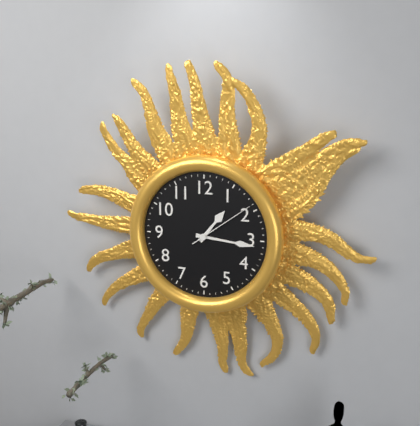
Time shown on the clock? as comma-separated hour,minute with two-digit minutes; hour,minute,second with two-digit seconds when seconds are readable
1,16,09
